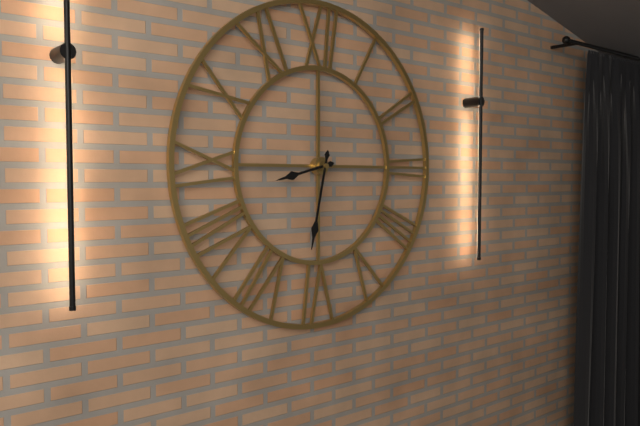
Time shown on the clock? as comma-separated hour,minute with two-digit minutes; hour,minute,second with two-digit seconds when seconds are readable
8,32
